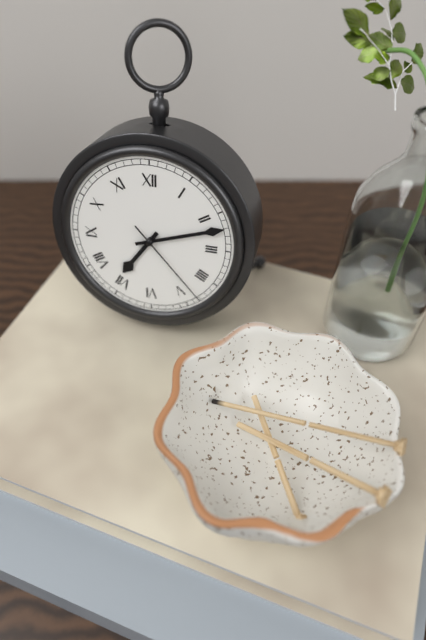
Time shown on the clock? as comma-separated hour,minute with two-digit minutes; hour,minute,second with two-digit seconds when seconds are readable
7,12,23
